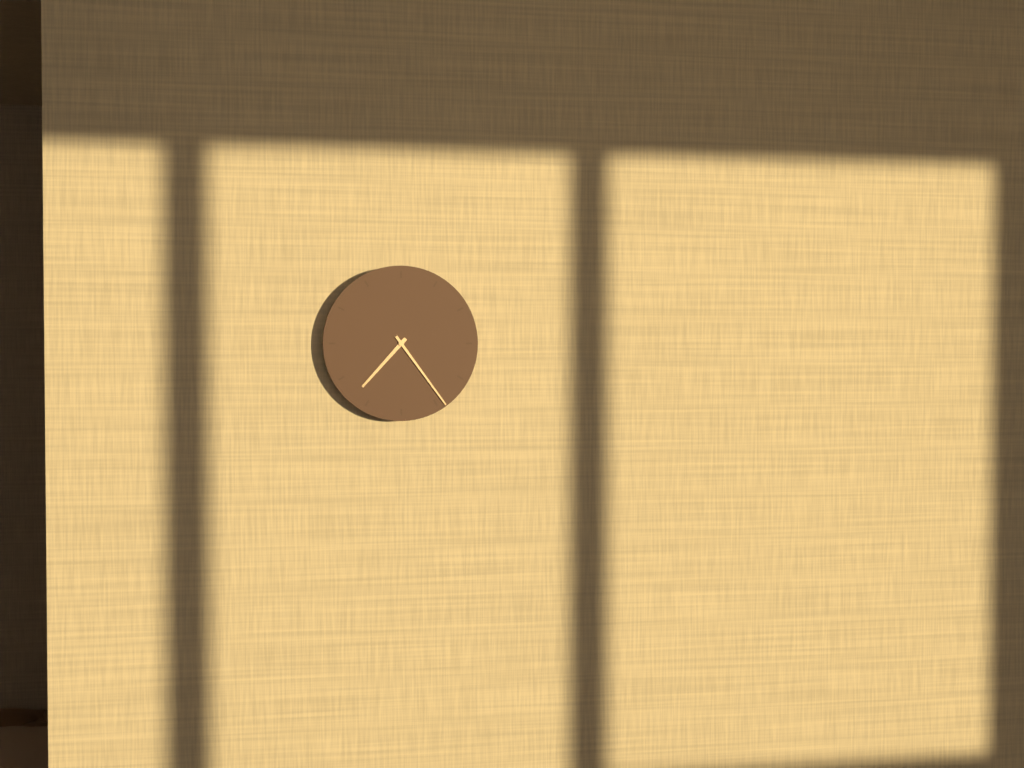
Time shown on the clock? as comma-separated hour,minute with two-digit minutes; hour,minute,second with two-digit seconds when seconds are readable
7,24
